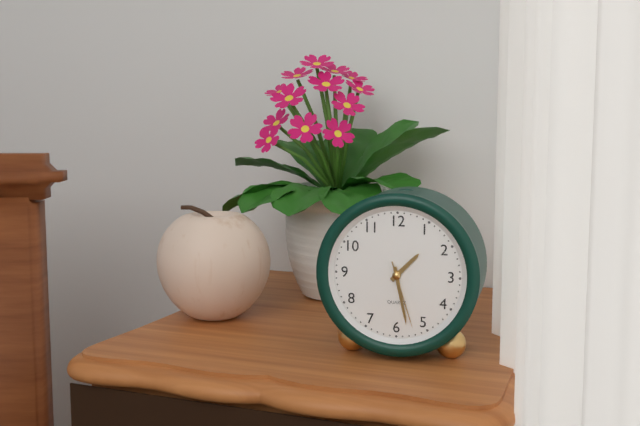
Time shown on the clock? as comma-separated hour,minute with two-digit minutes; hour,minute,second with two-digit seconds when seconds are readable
1,28,27
